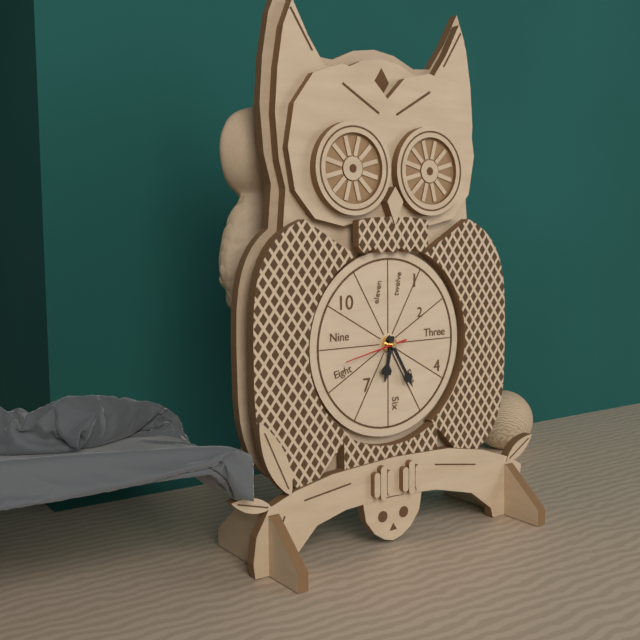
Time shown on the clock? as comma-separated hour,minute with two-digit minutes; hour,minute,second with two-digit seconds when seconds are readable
6,25,43
